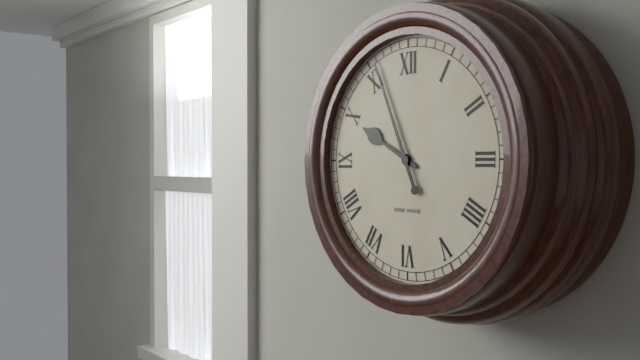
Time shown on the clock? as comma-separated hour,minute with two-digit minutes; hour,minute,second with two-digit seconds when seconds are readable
9,56
